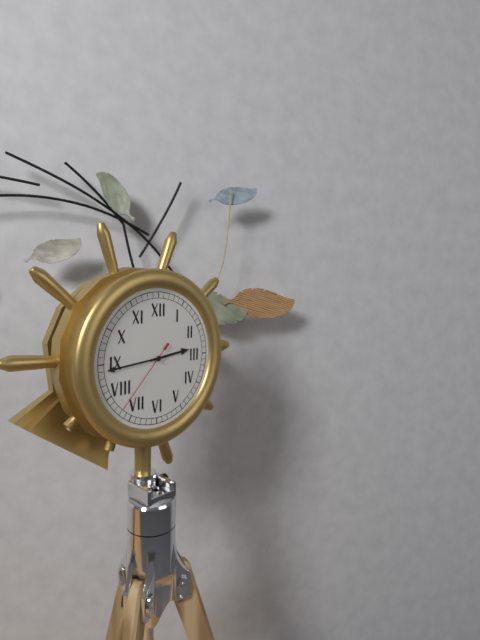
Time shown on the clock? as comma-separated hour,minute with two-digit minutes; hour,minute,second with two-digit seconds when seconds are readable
2,44,37
